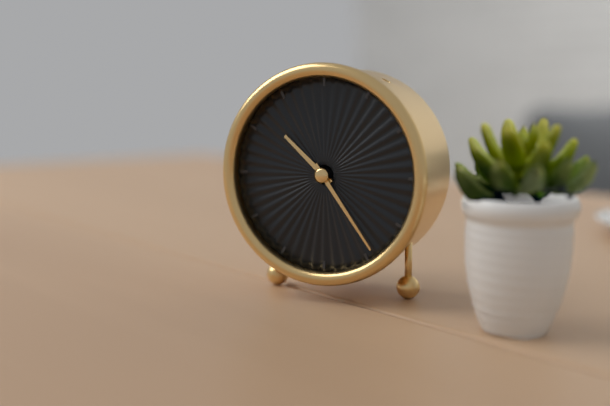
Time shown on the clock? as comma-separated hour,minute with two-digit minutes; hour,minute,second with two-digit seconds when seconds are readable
10,24
